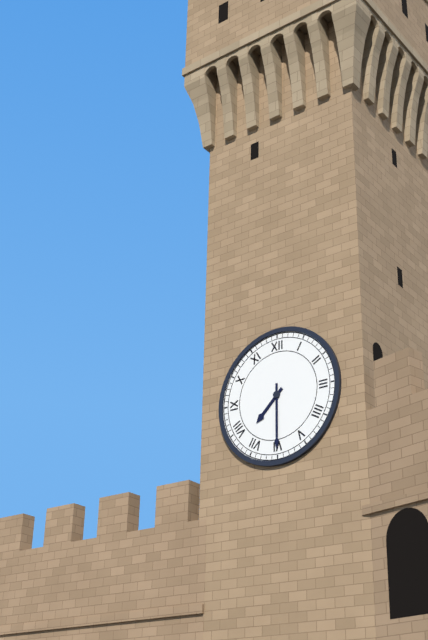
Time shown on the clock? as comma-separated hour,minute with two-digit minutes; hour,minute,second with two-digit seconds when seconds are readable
7,30
